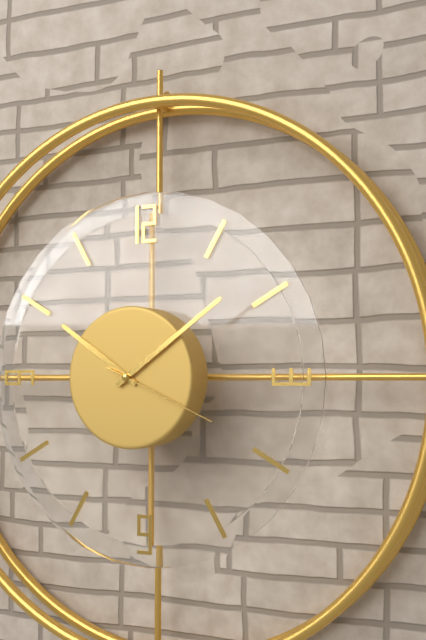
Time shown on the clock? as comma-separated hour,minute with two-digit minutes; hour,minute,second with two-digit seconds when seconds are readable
10,09,19
